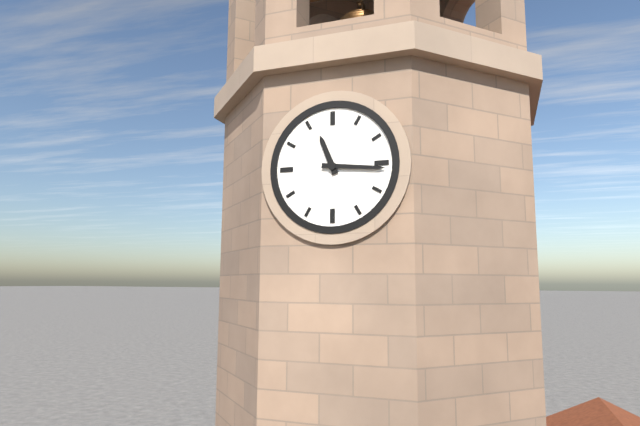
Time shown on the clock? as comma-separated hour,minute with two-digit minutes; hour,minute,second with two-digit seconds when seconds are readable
11,16
